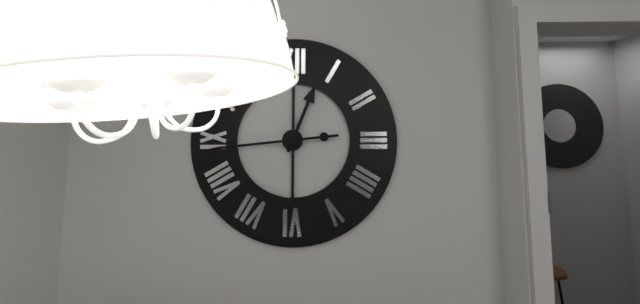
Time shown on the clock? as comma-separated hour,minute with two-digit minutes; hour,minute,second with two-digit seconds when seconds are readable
12,44
